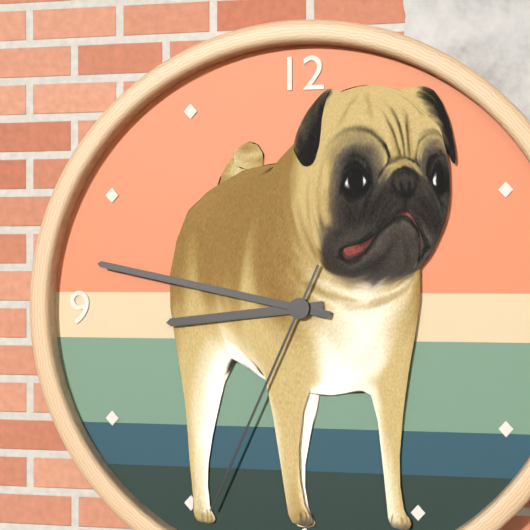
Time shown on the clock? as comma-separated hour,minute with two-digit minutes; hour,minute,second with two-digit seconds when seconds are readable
8,47,34
